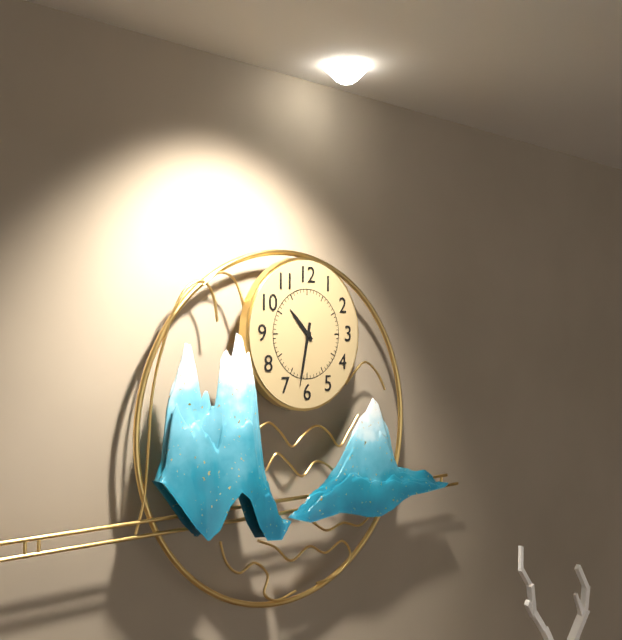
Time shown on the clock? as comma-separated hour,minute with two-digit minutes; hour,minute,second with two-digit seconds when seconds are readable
10,32
